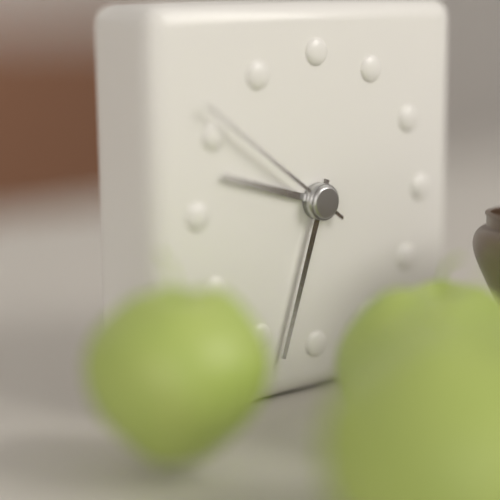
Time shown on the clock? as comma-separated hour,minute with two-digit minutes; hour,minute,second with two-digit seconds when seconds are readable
9,33,51
